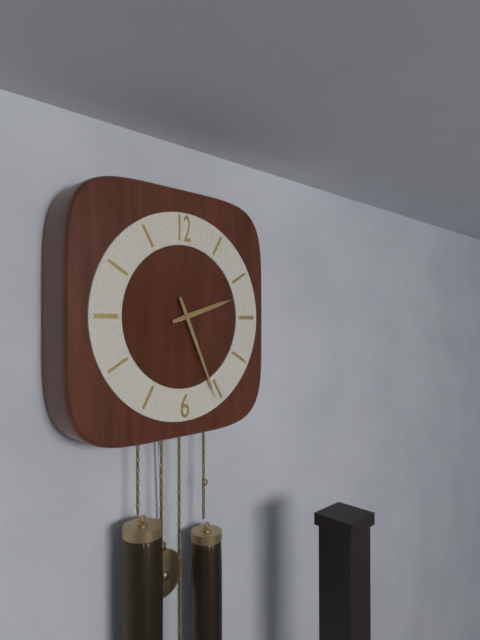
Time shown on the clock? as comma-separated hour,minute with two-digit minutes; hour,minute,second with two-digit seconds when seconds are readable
2,26
